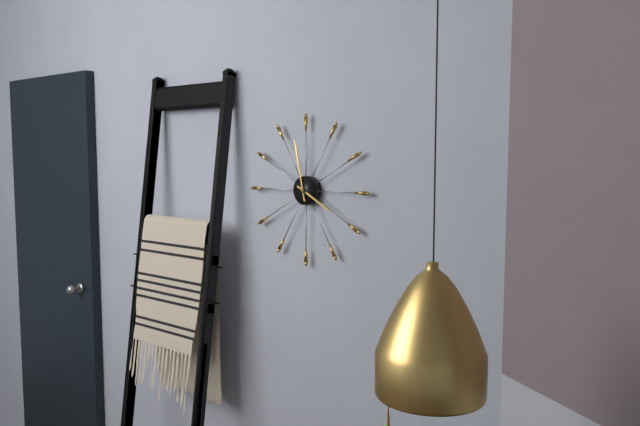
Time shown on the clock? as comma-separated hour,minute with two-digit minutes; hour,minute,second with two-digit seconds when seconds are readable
3,58
